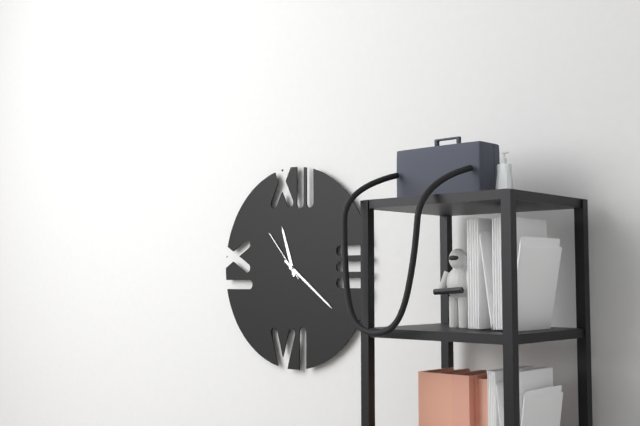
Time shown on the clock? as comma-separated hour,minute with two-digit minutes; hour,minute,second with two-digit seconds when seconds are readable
11,21,53
